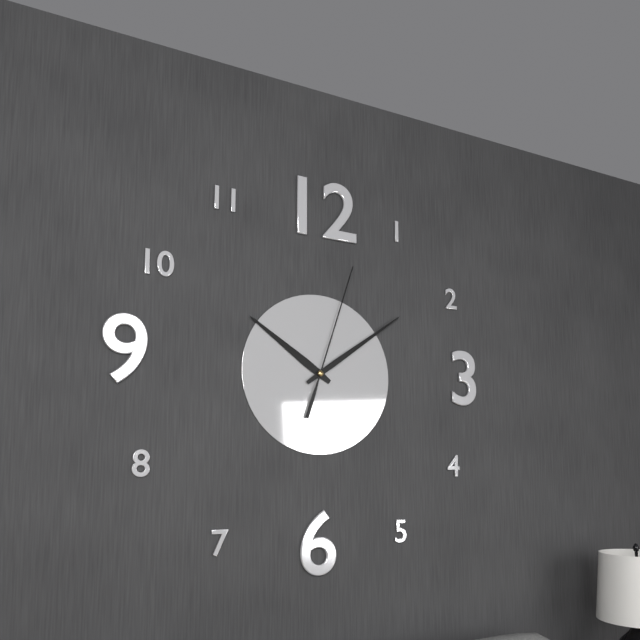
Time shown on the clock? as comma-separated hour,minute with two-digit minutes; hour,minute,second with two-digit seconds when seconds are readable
10,09,03
